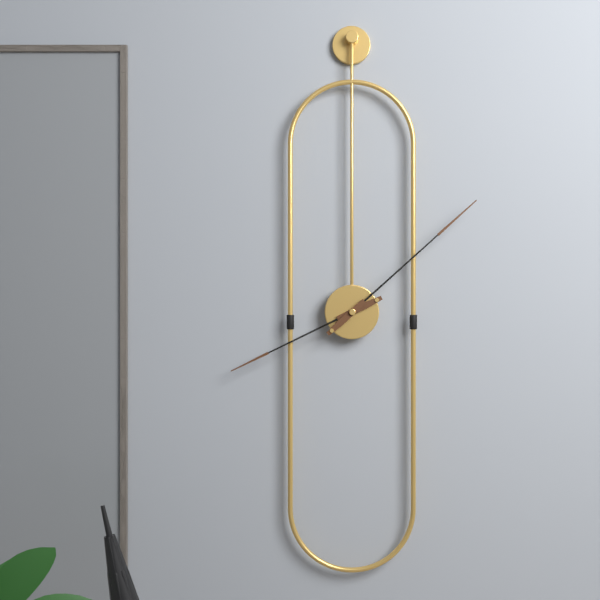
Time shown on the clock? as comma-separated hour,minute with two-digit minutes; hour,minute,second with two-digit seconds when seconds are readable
8,08
